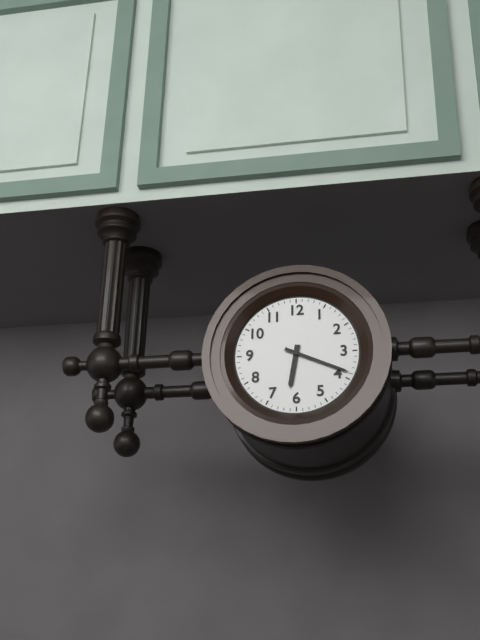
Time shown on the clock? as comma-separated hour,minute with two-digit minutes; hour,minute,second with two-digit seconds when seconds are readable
6,19
